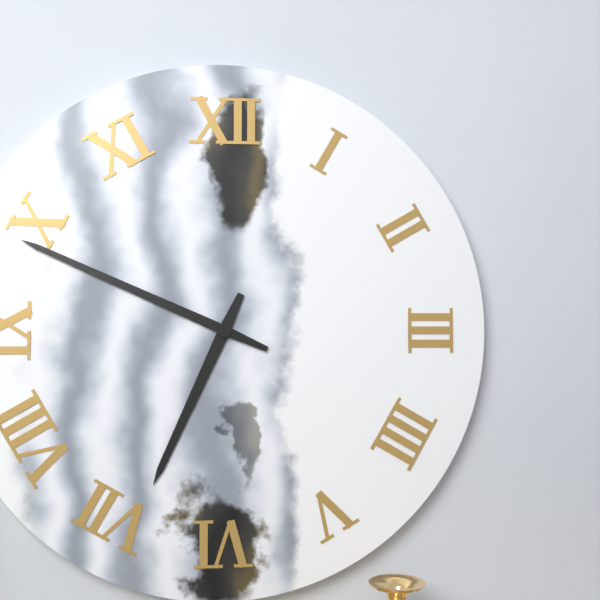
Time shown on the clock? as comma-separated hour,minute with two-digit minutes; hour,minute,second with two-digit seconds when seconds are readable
6,49
